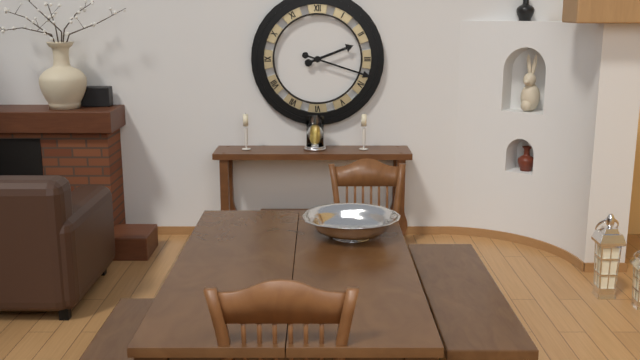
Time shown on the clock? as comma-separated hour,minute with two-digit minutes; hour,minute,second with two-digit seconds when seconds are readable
2,18
